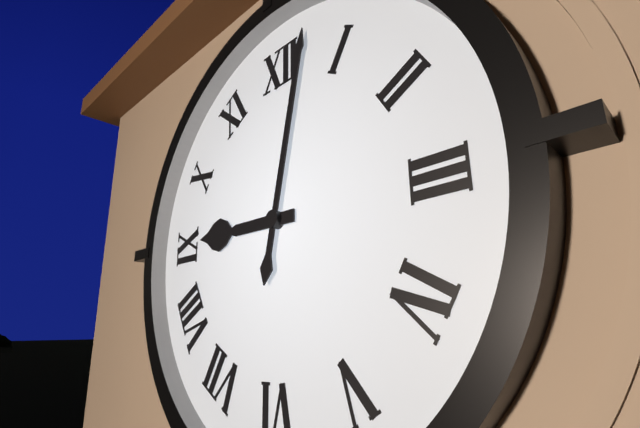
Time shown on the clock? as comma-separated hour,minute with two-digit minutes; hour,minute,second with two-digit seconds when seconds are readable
9,02
